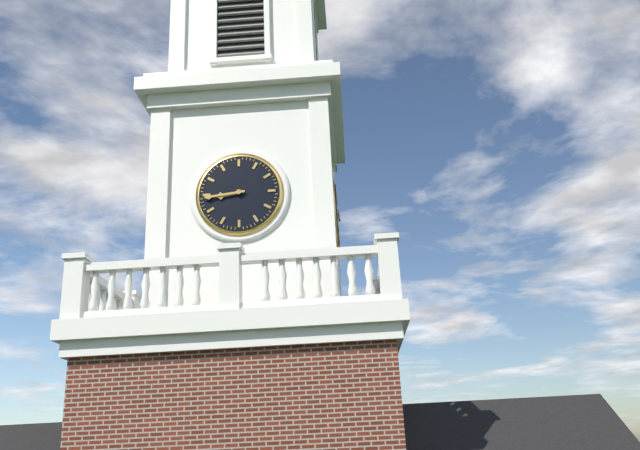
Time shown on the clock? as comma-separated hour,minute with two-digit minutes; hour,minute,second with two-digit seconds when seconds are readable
8,44
